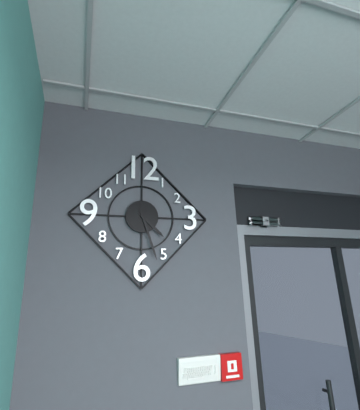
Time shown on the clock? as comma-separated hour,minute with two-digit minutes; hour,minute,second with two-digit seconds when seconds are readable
4,27
